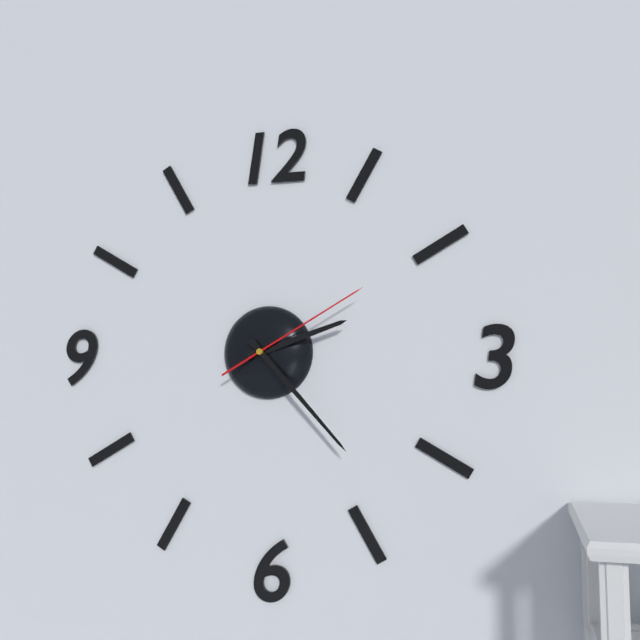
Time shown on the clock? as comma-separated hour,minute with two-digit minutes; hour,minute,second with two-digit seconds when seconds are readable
2,23,10
